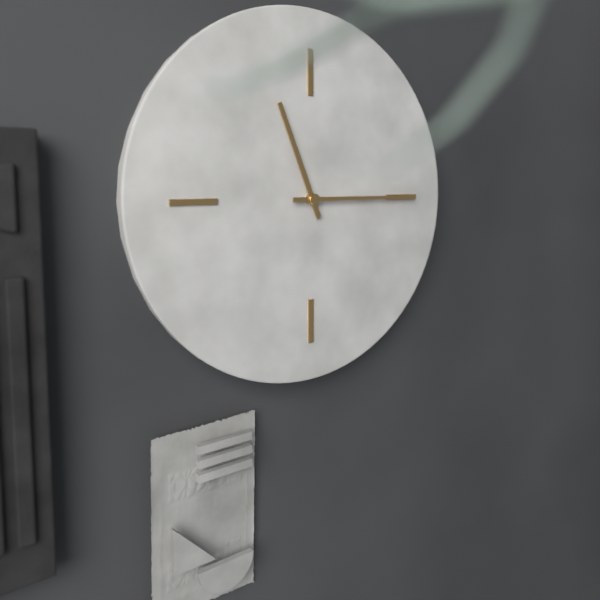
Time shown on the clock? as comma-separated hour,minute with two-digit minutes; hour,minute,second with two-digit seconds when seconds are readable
11,15
